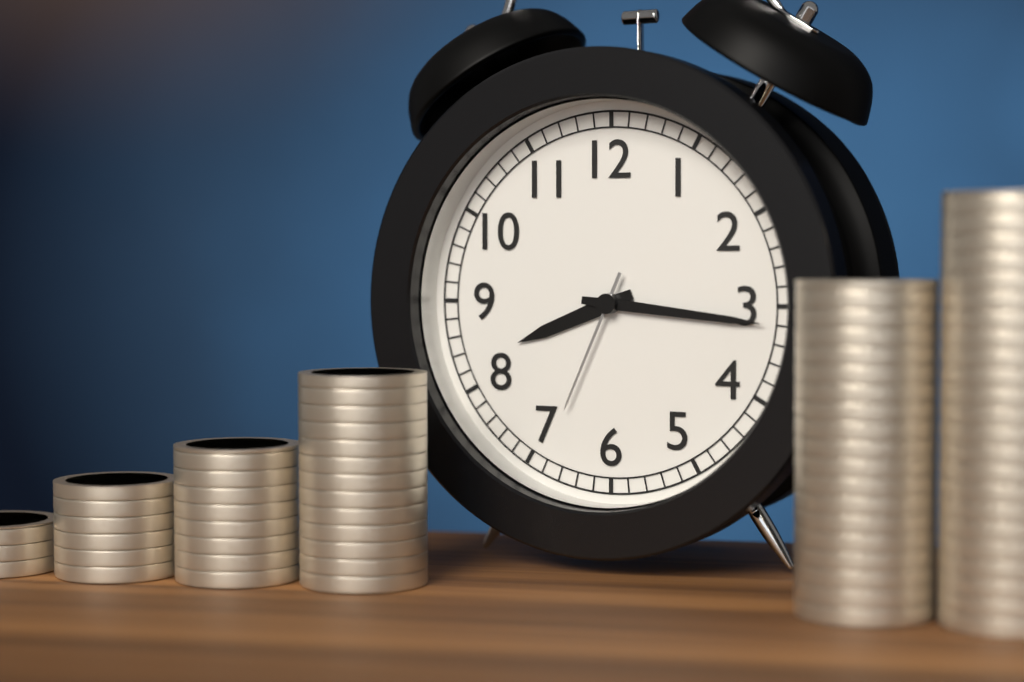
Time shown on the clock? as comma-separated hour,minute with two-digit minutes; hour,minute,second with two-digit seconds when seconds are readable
8,16,34
